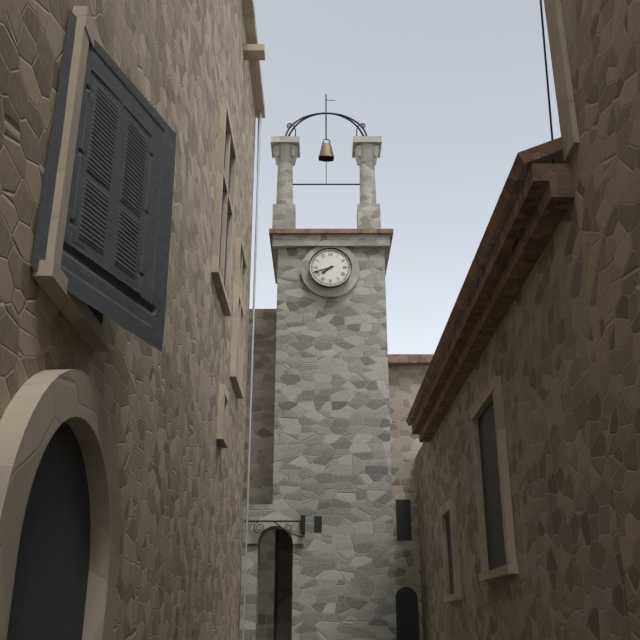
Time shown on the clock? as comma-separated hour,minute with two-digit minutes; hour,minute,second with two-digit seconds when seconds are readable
7,42
